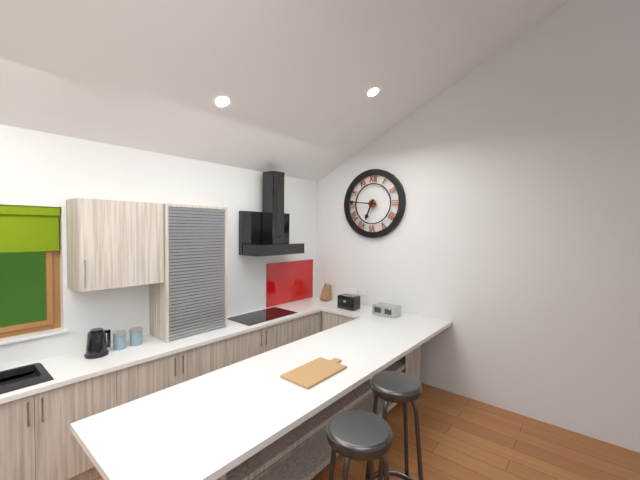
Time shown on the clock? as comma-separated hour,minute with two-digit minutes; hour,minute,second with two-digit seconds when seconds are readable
6,46
